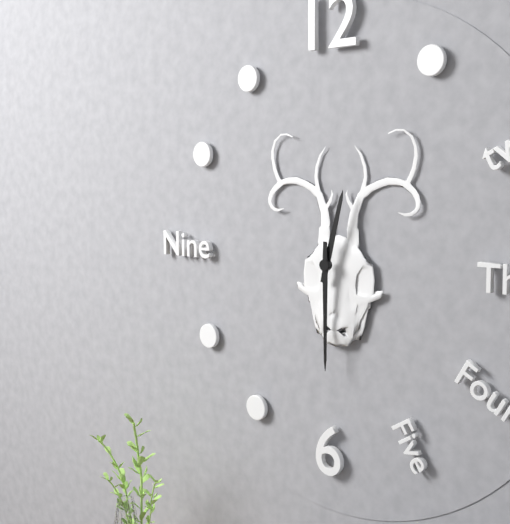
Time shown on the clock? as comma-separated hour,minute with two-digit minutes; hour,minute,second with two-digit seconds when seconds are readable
12,30
